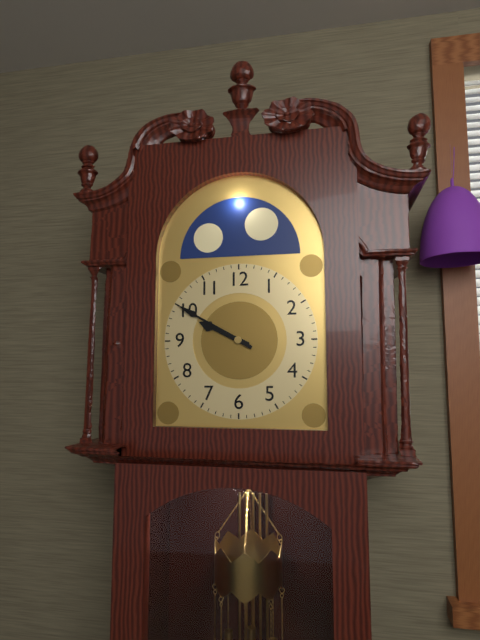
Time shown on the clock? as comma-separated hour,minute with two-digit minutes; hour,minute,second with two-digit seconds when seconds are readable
9,50
